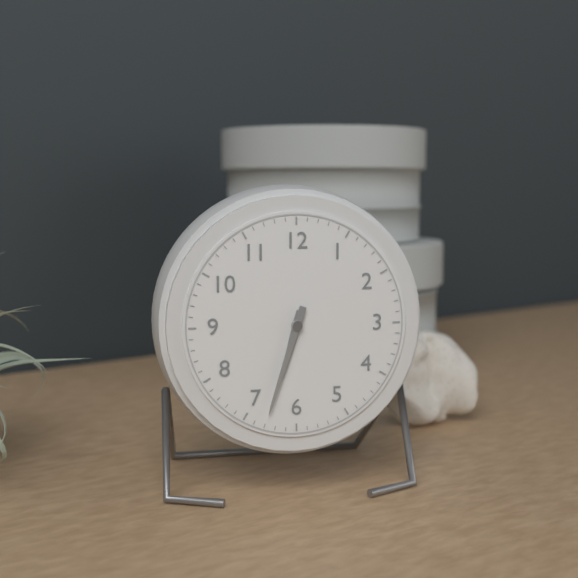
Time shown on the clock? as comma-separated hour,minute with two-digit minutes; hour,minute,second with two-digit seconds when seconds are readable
6,33
